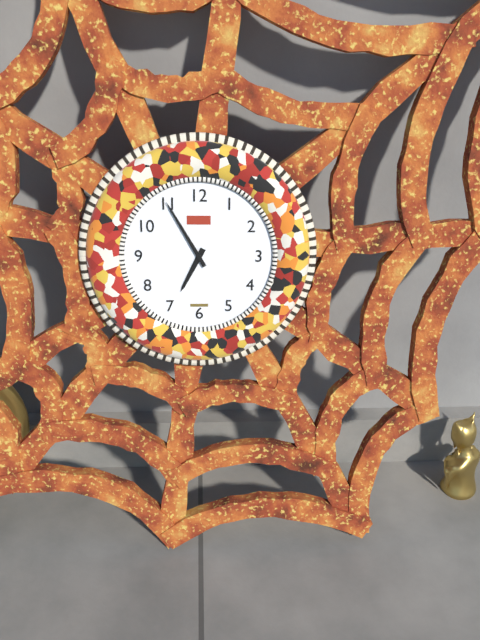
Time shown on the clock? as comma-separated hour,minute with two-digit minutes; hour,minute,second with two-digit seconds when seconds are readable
6,55
